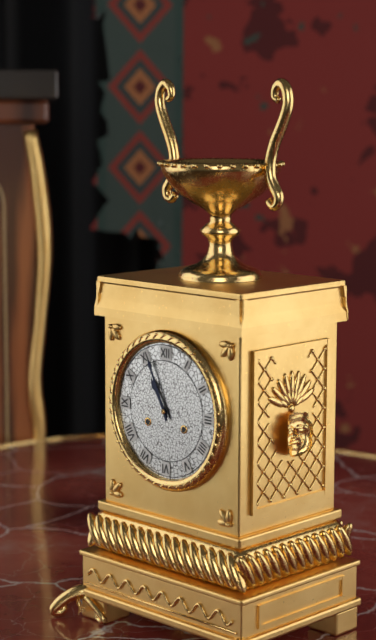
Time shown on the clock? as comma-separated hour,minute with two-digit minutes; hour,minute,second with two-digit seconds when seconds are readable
10,56
